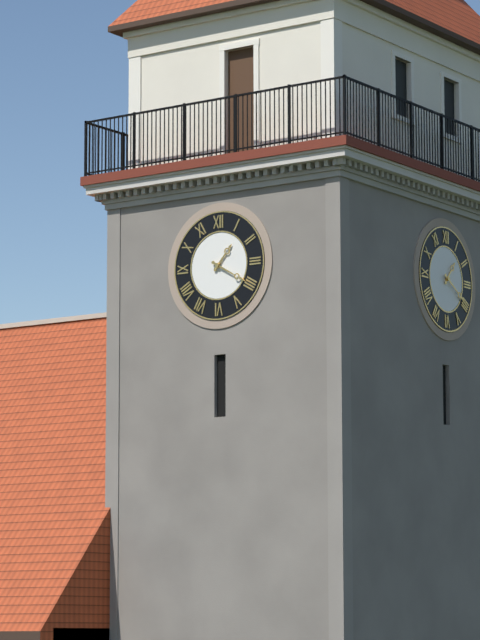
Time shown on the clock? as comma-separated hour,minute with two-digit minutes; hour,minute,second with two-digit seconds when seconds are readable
1,20
